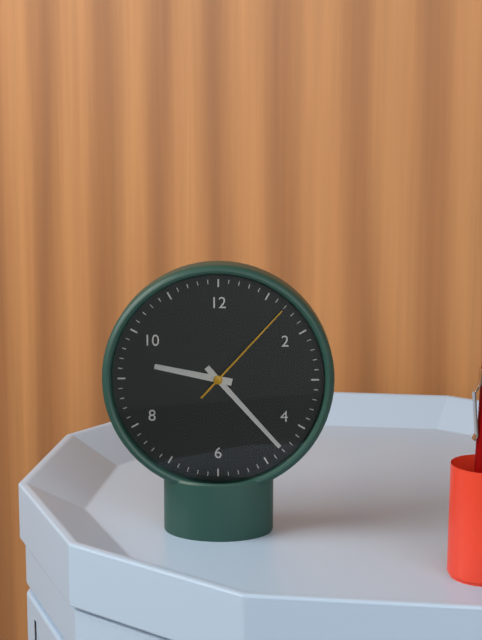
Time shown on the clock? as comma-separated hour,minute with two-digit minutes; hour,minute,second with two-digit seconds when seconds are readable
9,23,07
